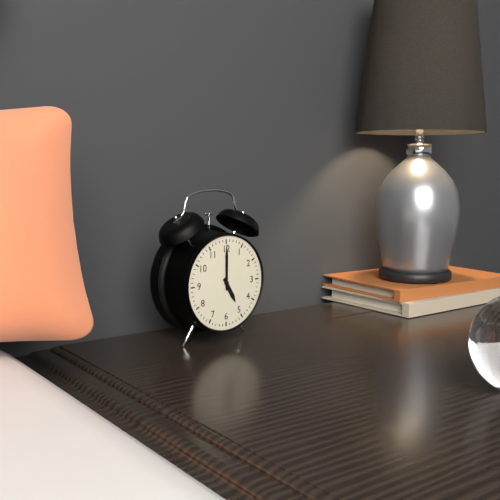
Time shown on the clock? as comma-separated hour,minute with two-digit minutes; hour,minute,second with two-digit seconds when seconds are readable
5,00
